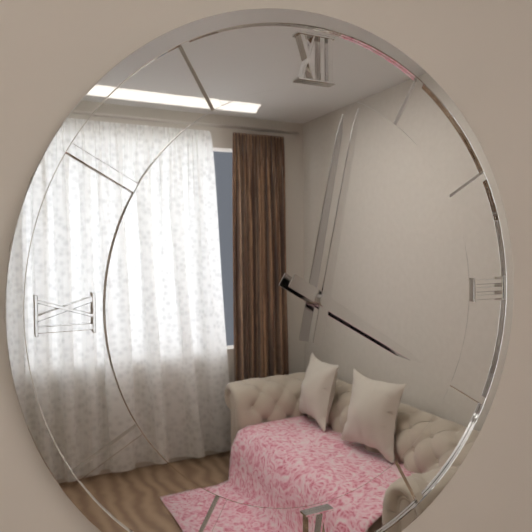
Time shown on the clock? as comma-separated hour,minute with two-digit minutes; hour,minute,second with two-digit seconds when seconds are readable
4,02
